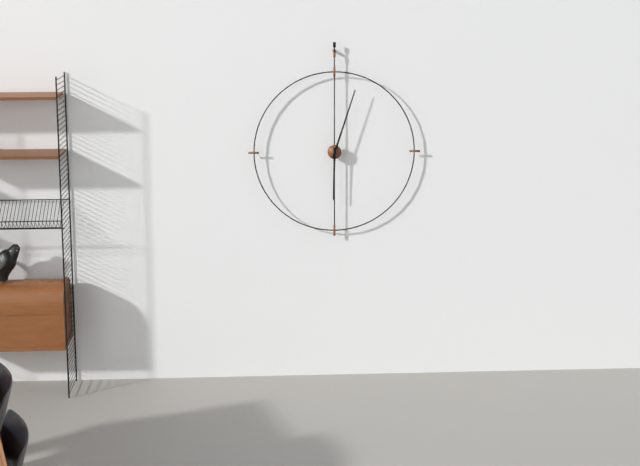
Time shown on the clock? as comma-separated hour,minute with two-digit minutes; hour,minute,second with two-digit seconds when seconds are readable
6,03
